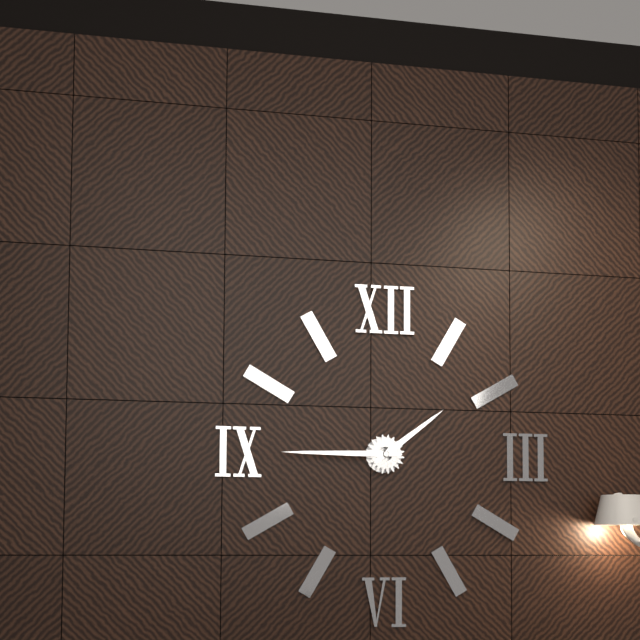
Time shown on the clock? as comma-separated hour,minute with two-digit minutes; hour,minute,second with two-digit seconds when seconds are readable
1,45
